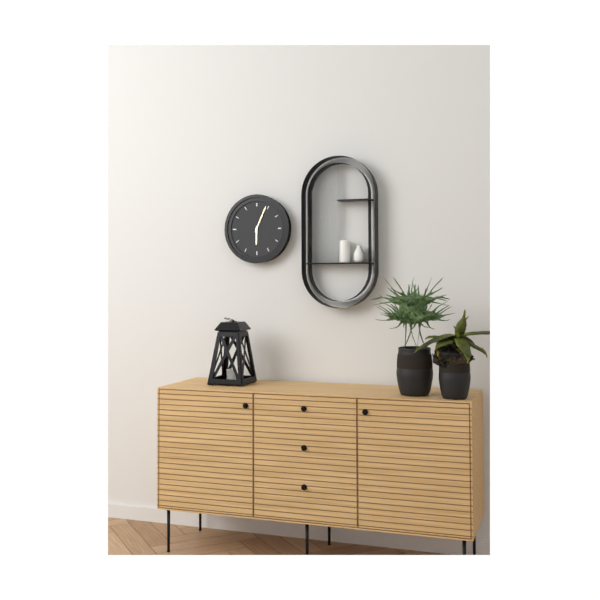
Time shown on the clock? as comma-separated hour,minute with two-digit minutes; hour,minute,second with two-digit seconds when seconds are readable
6,04
